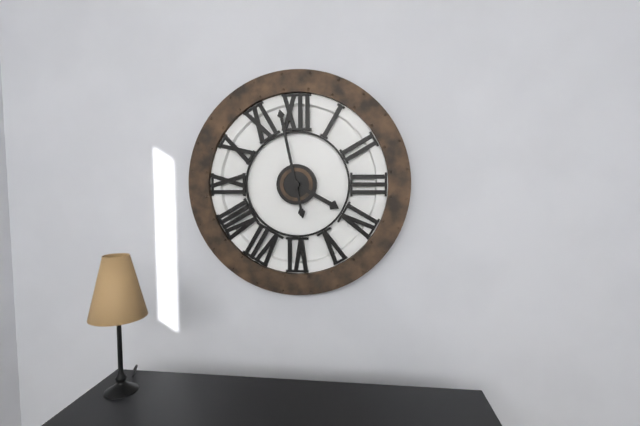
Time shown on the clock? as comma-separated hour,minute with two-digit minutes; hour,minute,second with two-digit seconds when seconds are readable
3,58
